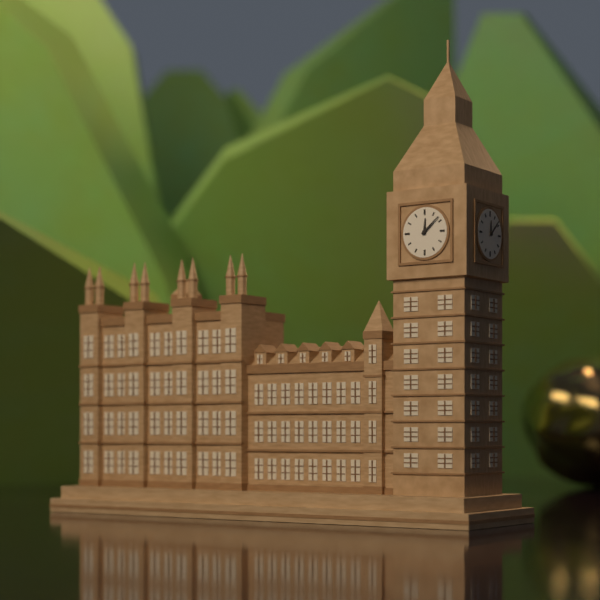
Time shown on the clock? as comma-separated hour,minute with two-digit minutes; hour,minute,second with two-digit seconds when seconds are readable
12,08
